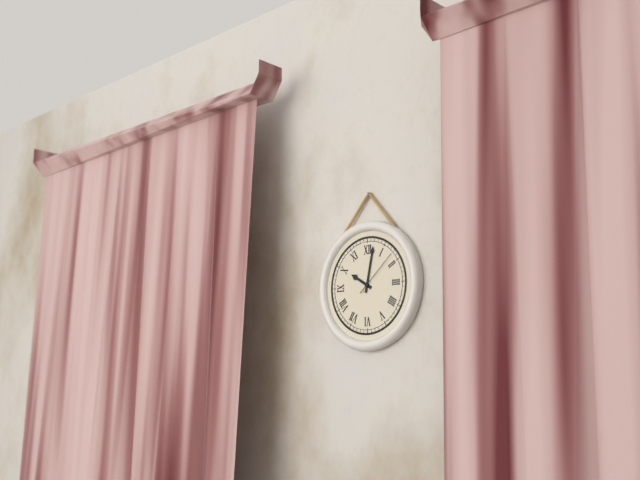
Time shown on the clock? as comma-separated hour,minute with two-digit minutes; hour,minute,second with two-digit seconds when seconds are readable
10,02
